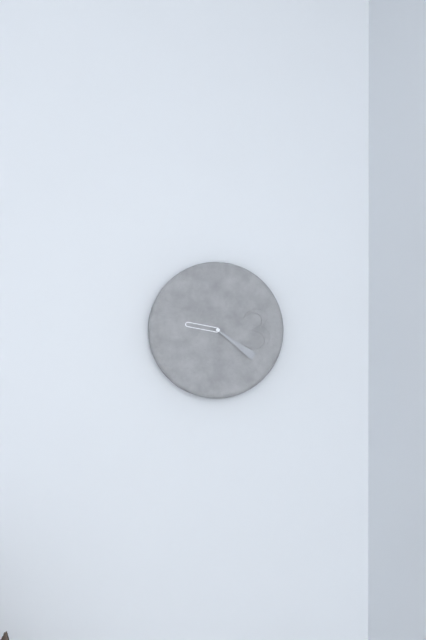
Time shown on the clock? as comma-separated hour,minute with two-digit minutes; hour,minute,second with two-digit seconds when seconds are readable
9,21
